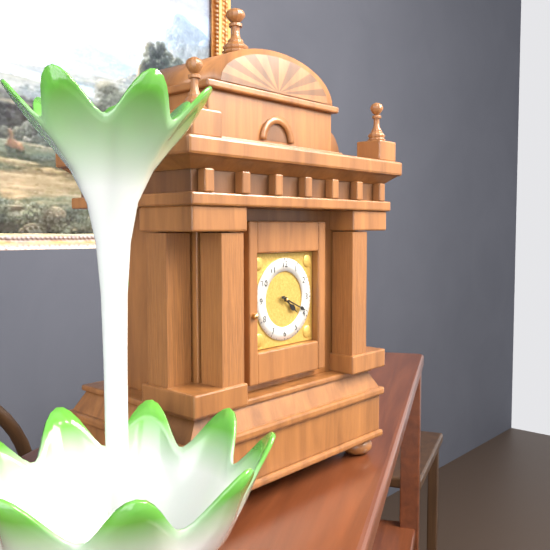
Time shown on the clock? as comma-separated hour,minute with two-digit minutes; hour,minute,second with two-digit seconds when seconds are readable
4,19
